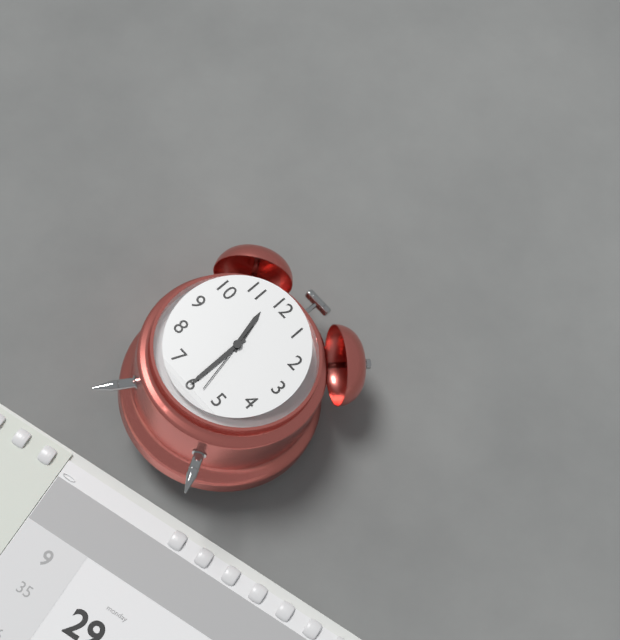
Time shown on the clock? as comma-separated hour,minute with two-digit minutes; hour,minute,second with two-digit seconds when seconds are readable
11,30,28
